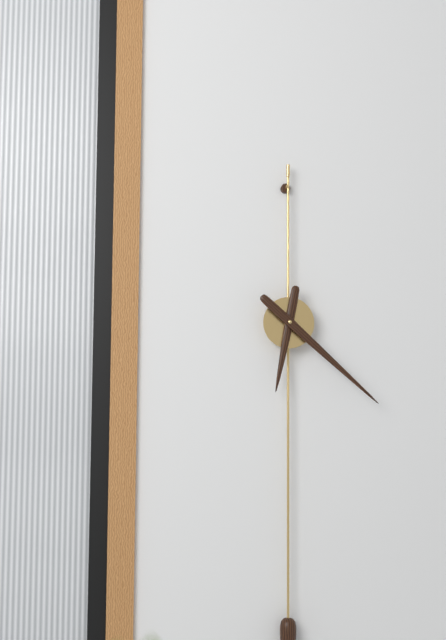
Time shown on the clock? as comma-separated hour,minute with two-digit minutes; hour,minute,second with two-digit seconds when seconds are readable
6,22
